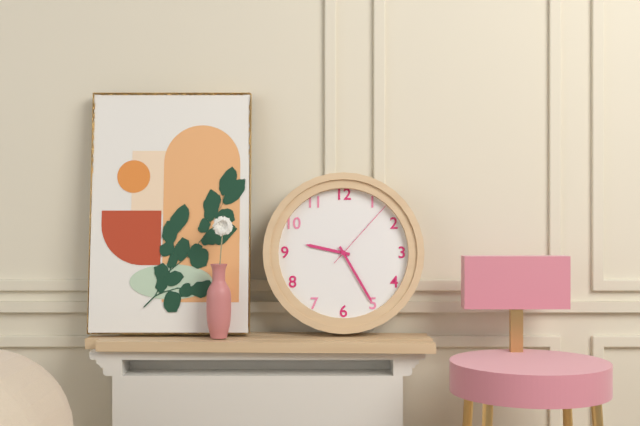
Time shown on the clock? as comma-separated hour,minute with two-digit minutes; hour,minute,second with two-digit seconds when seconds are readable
9,25,07
